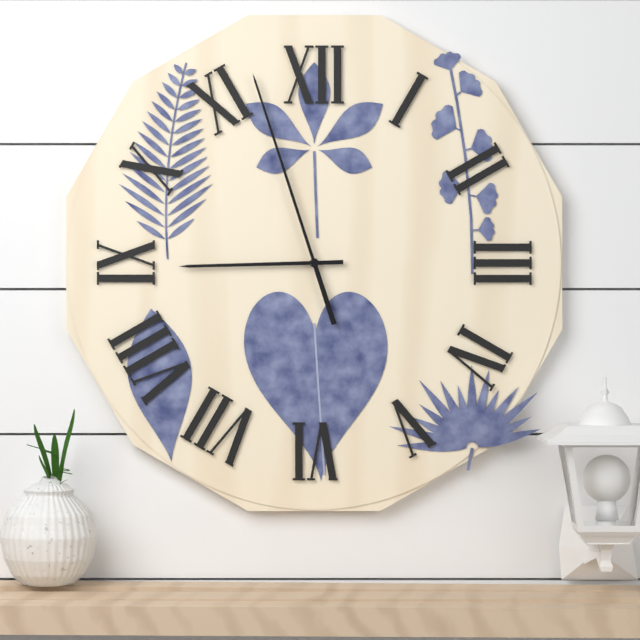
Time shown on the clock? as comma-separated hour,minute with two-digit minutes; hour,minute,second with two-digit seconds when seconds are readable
8,57
